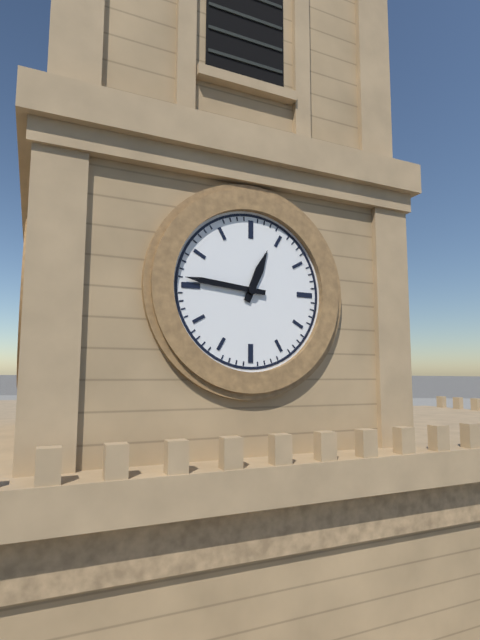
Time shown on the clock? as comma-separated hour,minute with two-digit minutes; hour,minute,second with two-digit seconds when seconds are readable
12,46
